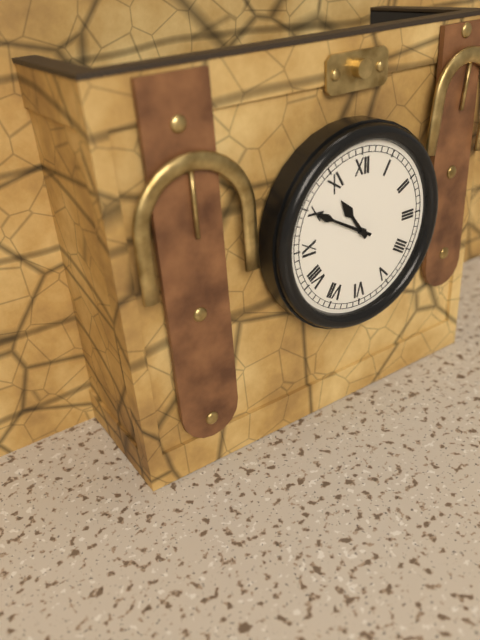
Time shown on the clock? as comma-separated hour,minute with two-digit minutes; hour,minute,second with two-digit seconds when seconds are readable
10,50
